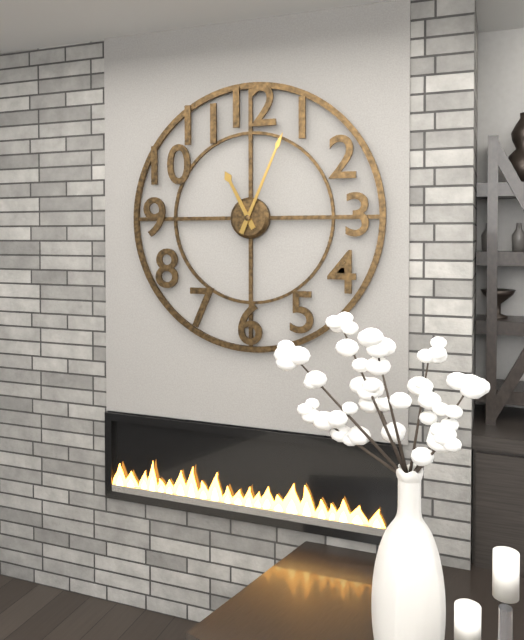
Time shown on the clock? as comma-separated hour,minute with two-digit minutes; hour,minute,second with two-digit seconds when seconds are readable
11,04
